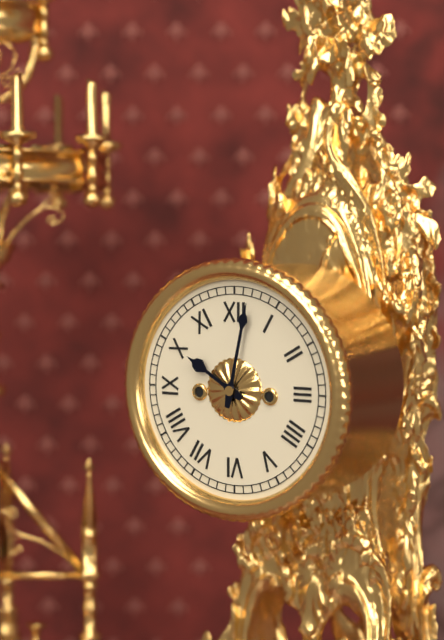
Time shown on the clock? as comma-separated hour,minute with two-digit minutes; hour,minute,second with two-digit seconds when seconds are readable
10,02
